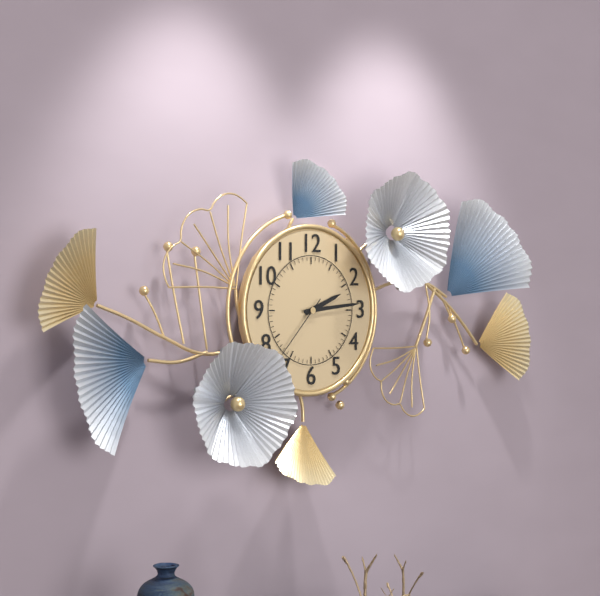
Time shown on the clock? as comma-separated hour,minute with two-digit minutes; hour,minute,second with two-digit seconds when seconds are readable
2,14,37
